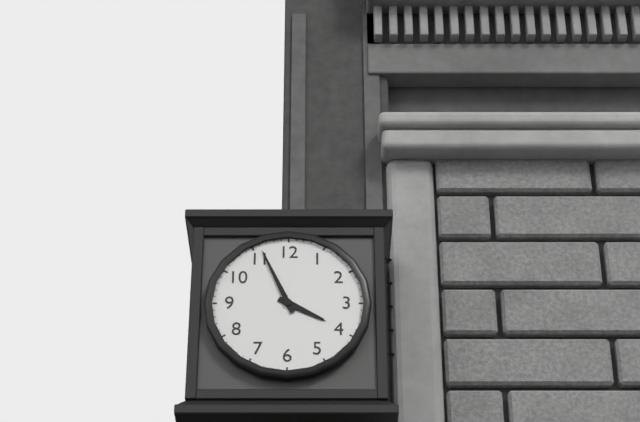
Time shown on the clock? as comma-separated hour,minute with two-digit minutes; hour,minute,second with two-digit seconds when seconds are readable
3,56
